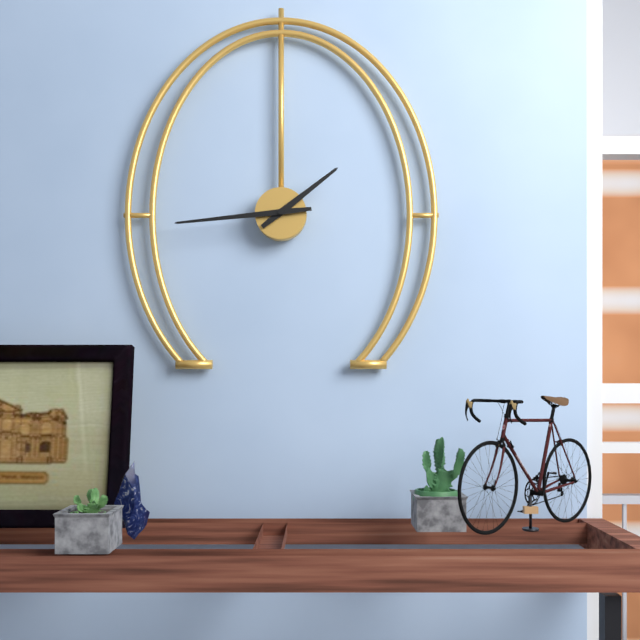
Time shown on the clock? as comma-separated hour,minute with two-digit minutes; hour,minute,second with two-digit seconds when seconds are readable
1,44
